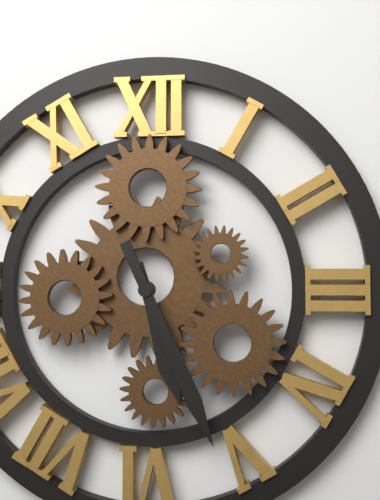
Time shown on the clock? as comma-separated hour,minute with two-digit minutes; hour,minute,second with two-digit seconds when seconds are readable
5,26
